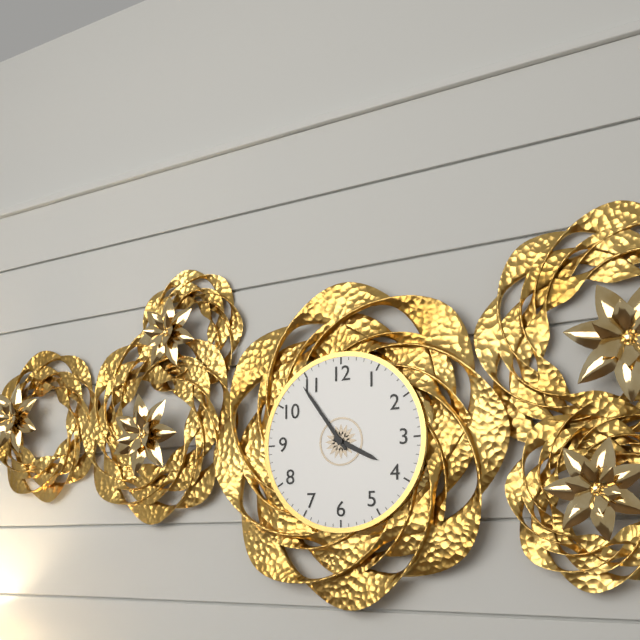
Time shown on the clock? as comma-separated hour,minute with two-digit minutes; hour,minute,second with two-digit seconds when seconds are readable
3,54
